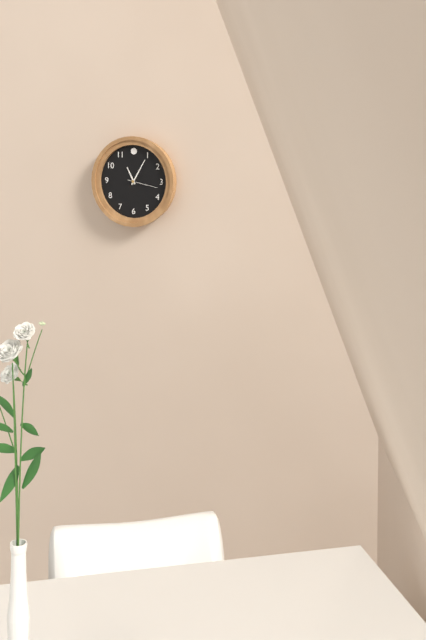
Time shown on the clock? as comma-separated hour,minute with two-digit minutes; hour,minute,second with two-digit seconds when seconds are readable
11,05
